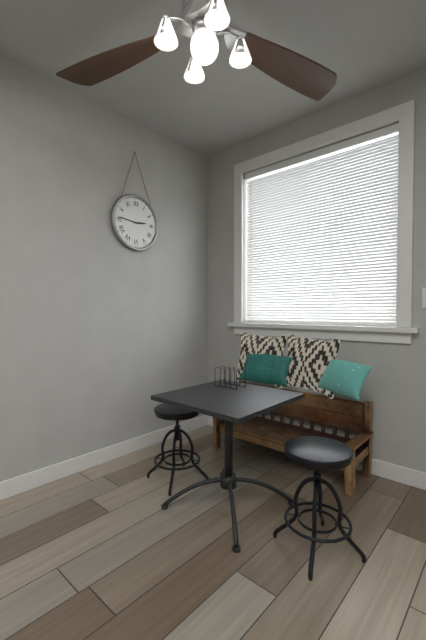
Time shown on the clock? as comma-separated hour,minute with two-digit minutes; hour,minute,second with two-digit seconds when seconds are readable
2,46
